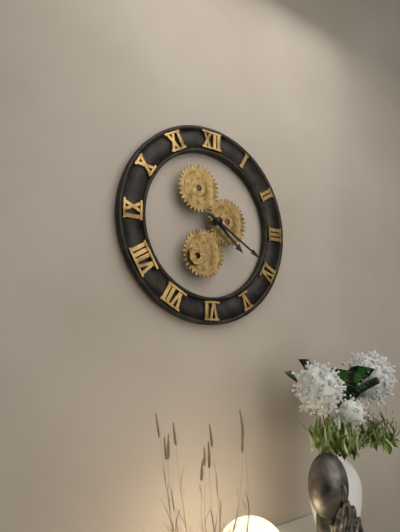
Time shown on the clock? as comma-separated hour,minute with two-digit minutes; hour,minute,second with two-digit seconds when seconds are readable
4,20
